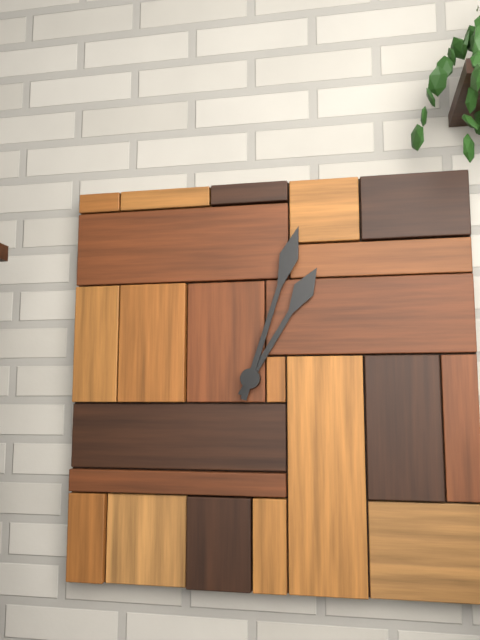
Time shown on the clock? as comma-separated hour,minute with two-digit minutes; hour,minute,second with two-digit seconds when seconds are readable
1,03
